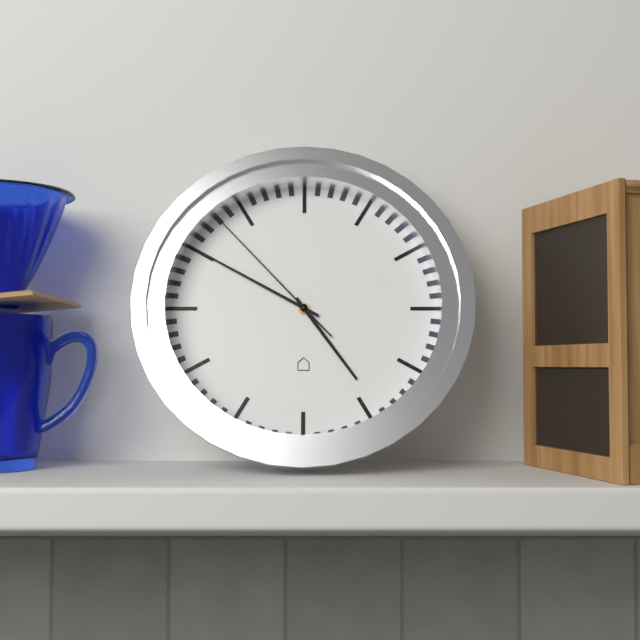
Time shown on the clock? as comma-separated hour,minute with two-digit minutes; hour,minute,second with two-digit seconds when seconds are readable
4,50,53
